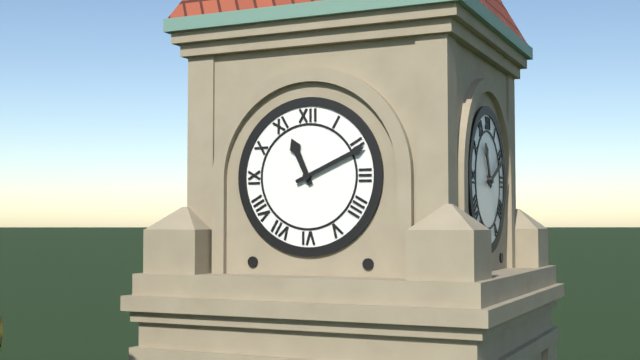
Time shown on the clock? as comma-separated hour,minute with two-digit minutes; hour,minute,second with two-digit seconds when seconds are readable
11,11
